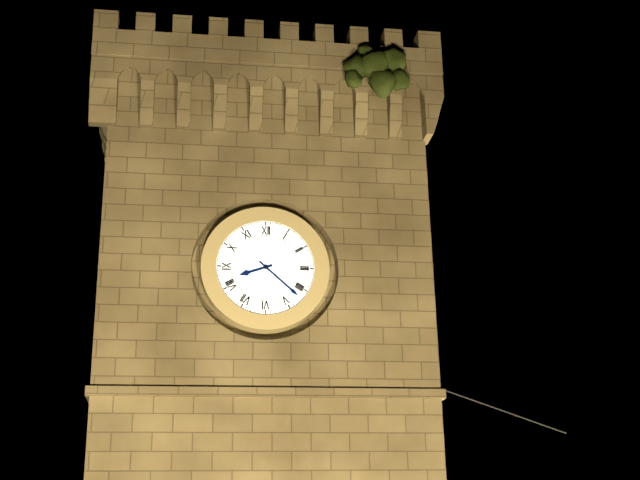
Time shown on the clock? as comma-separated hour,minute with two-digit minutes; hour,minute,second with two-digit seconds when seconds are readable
8,22
